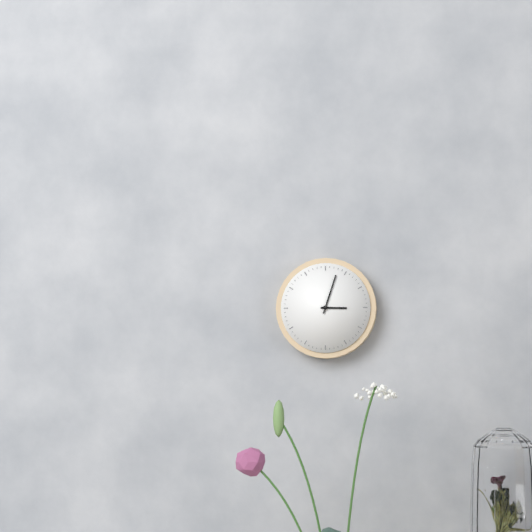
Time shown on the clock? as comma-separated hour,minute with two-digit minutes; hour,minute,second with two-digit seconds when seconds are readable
3,03
